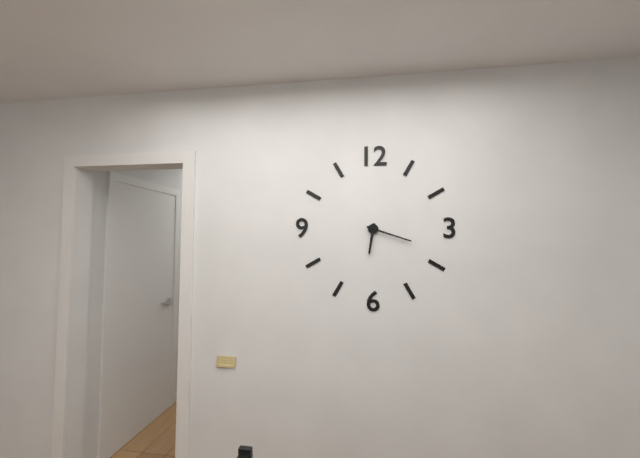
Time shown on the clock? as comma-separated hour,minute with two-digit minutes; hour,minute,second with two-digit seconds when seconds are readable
6,18
